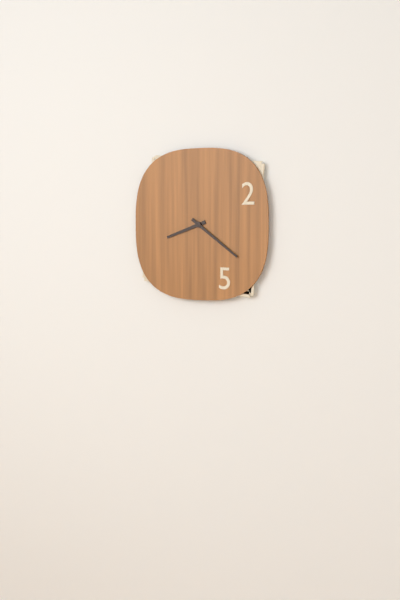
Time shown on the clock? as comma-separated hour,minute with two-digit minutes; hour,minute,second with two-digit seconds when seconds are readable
8,21
